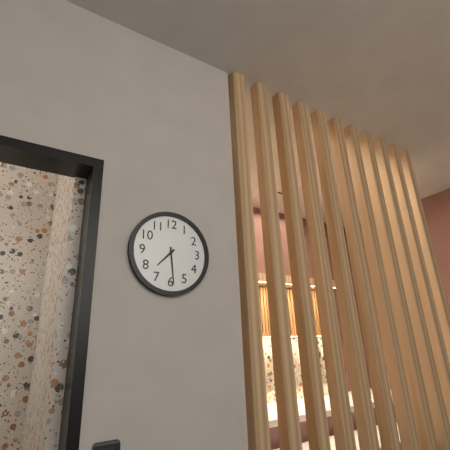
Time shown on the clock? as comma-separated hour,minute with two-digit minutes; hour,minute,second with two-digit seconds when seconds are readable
7,29
